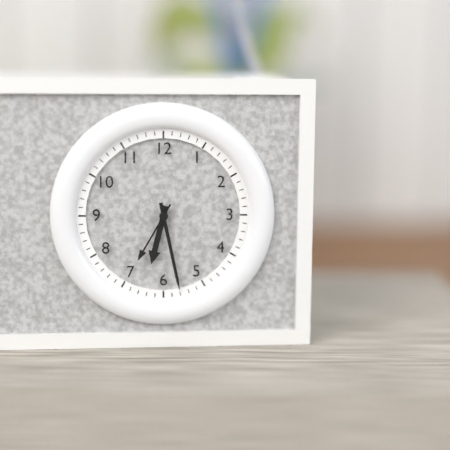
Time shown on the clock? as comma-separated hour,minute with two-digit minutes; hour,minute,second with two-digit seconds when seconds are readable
6,28,35
